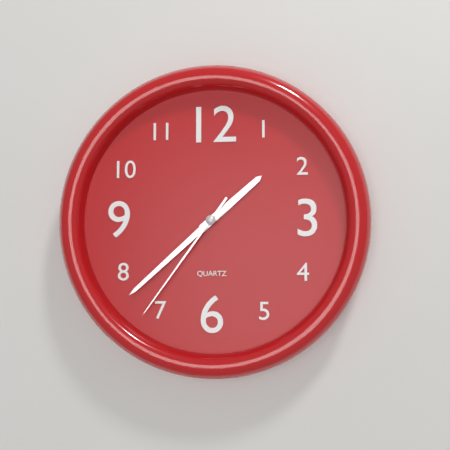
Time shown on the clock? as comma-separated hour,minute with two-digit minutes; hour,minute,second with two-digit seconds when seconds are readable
1,38,36
